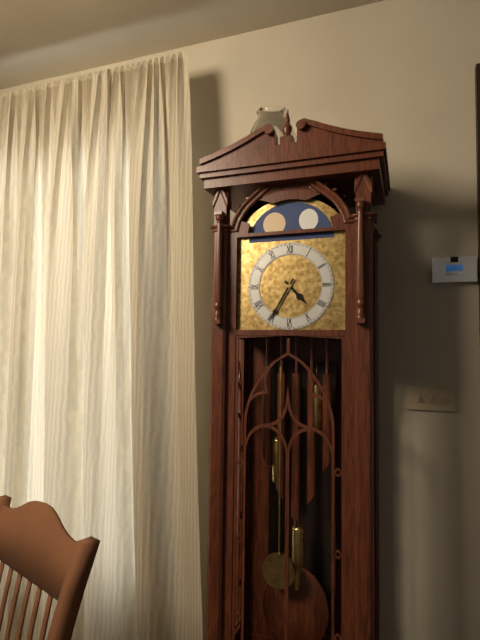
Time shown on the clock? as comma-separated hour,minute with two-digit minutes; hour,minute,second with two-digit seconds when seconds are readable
4,35
